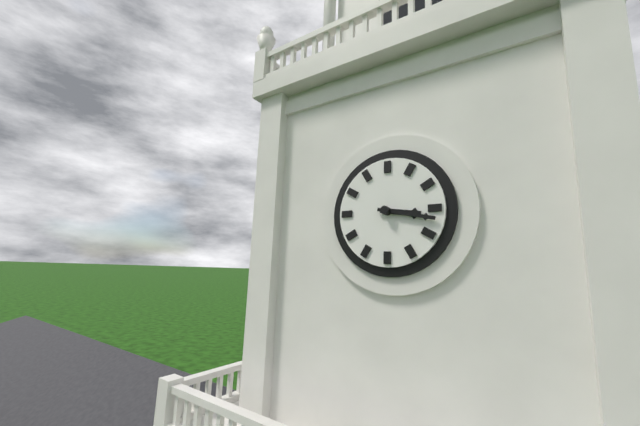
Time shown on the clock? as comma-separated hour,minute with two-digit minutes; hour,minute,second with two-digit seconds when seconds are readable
3,17
